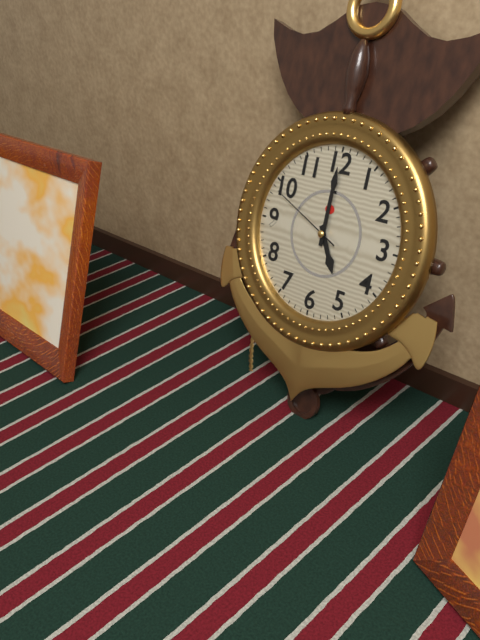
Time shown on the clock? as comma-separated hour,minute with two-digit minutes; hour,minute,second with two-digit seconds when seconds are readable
5,00,49
